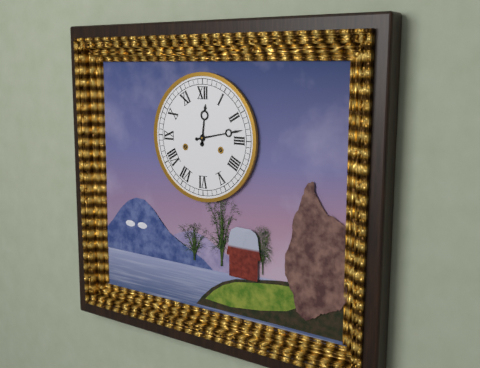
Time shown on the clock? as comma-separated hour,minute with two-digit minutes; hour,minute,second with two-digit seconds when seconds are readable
12,13
